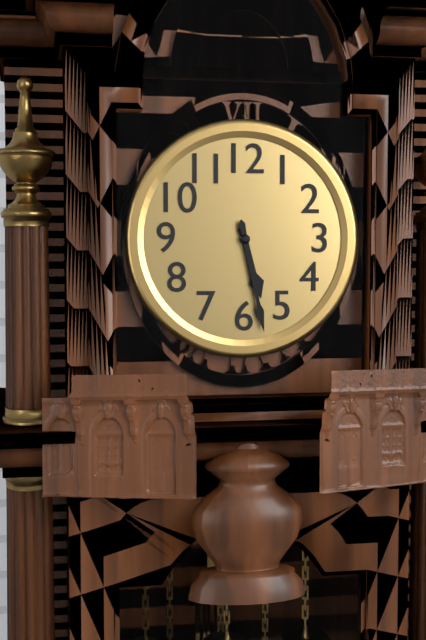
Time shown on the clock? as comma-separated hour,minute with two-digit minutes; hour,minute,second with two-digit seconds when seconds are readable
5,28
